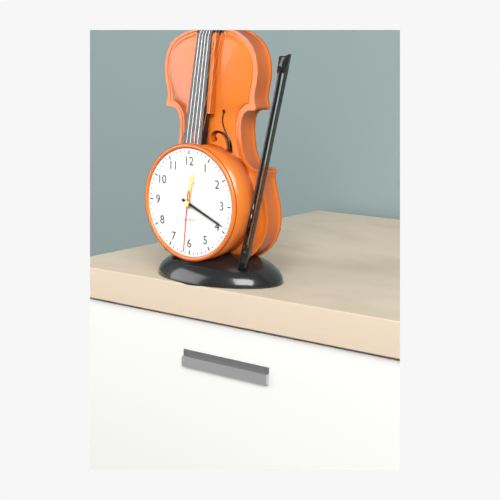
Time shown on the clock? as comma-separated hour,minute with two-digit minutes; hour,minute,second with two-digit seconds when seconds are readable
12,19,31
